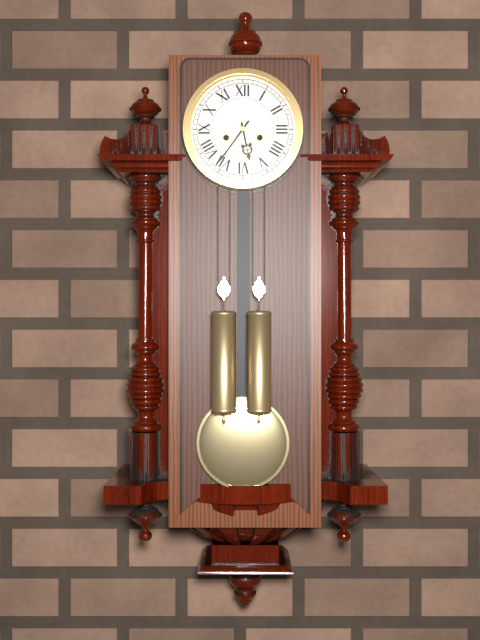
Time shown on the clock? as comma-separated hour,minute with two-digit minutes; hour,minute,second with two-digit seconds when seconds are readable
5,36
